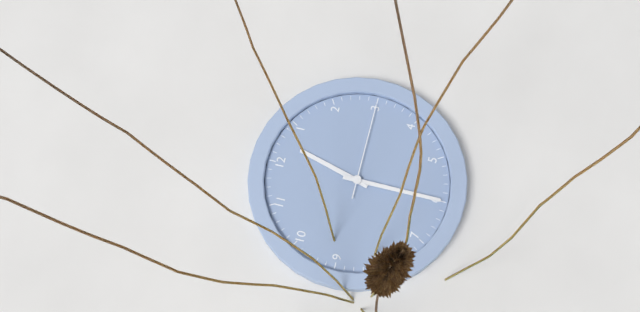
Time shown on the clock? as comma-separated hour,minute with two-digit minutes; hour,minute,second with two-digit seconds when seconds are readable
12,30,15
